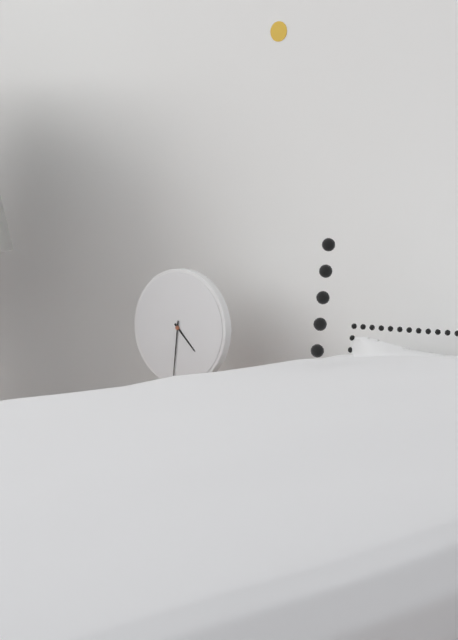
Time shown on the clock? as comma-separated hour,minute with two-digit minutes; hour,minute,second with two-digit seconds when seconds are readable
4,31
